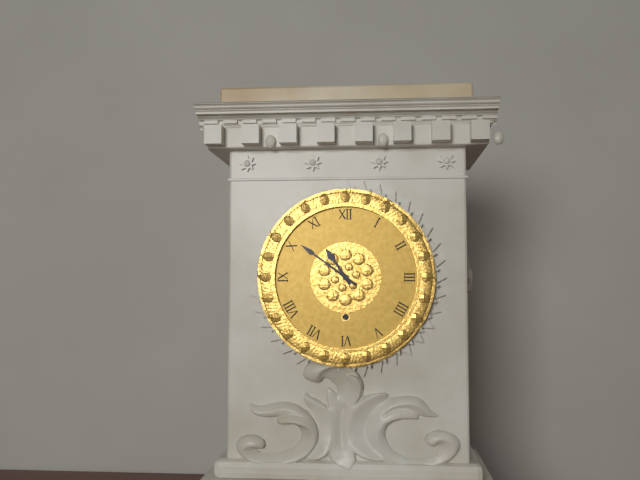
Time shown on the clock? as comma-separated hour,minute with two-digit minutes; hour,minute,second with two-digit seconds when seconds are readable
10,51
